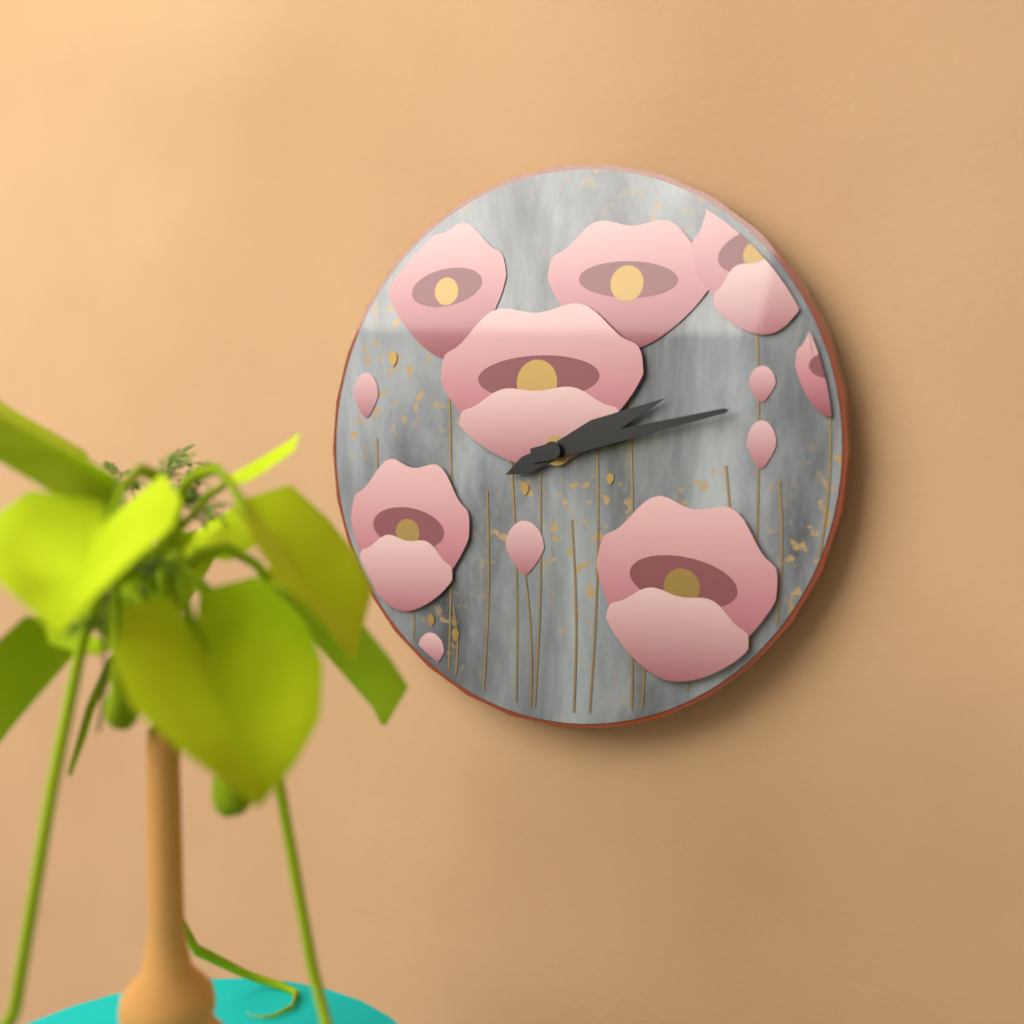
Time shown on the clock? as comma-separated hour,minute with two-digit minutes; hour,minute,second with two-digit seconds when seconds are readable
2,13
